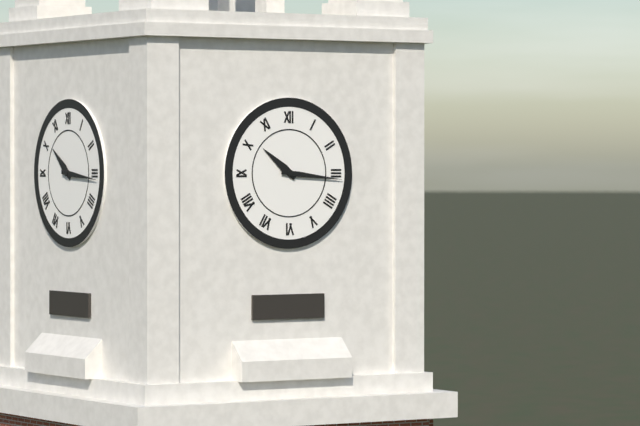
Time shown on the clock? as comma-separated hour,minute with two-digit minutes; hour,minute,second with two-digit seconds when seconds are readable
10,16
